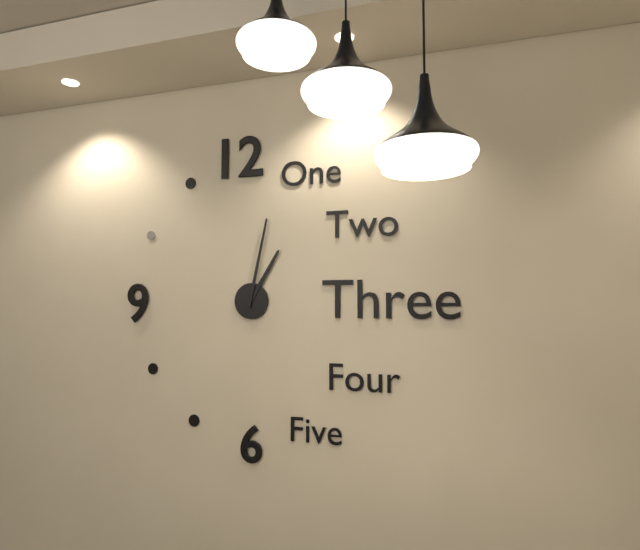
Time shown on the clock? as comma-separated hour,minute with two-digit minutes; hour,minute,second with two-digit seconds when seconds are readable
1,02
